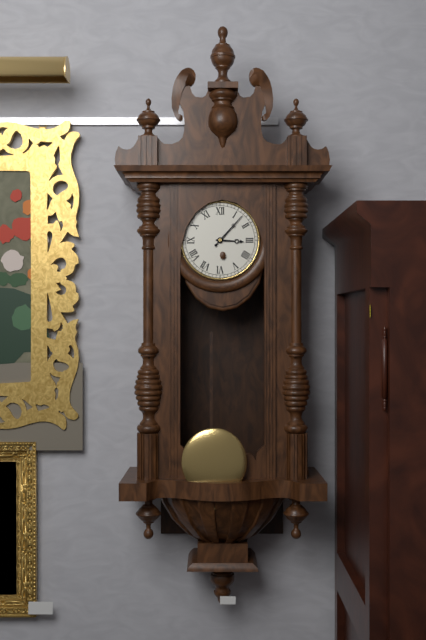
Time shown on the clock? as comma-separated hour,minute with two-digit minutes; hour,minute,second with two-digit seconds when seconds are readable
3,07
